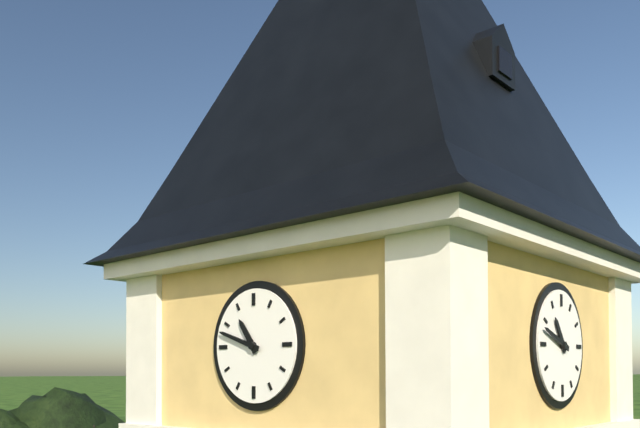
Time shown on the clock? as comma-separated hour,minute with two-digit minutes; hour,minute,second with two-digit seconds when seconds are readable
10,48
